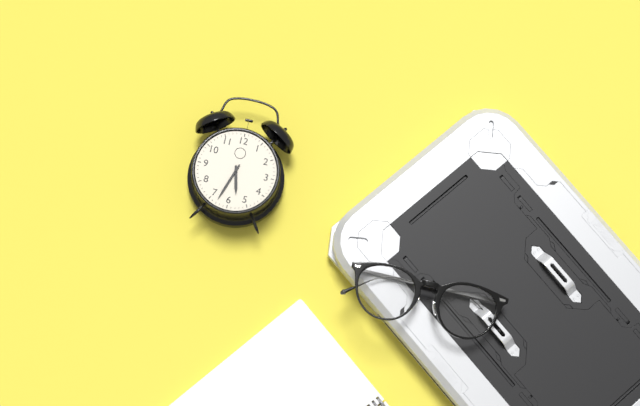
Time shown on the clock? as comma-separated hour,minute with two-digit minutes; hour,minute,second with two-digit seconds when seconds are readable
5,33
